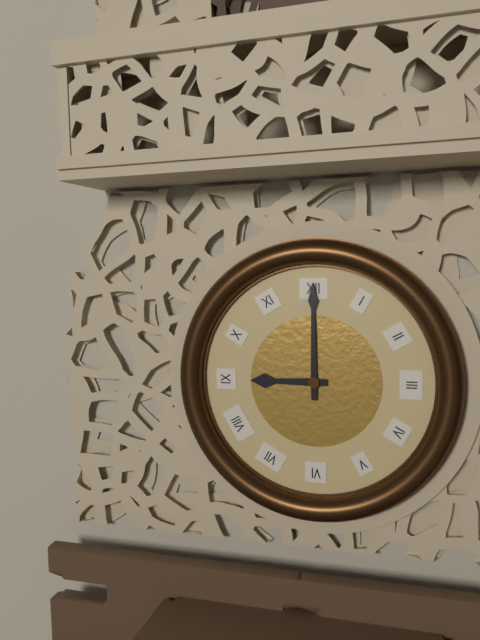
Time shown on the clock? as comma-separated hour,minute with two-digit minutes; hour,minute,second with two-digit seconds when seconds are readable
9,00
